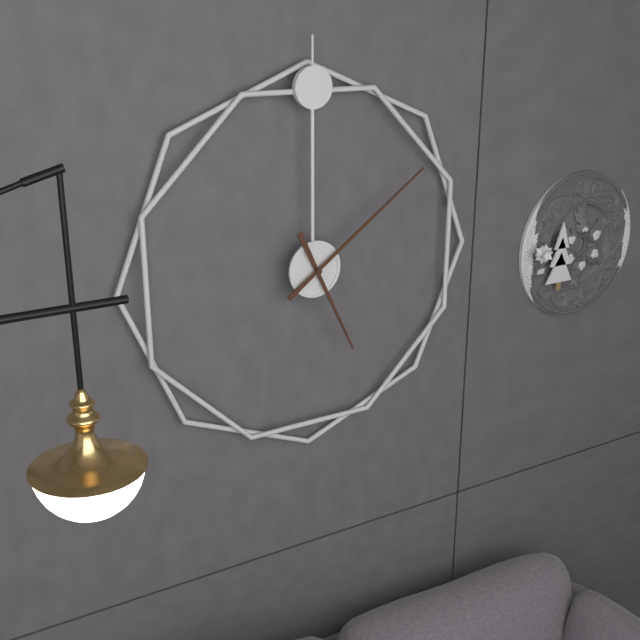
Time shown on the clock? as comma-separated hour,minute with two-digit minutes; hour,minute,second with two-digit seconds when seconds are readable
5,09
